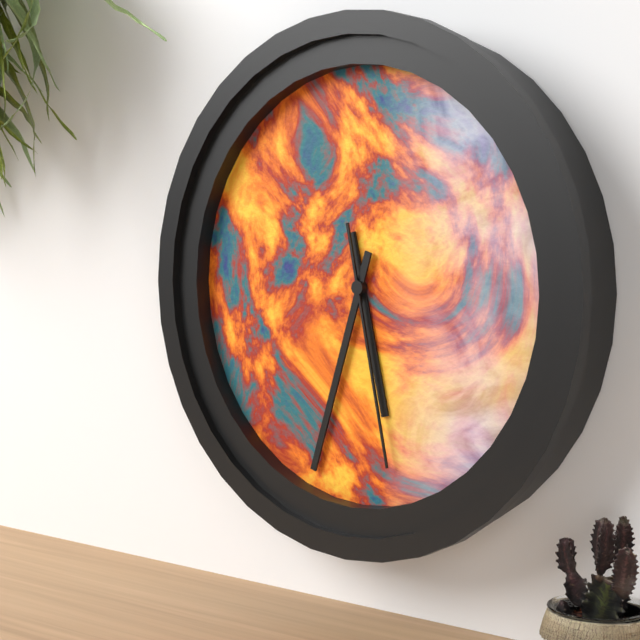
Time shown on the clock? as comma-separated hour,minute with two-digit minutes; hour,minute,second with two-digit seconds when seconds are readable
5,33,28
